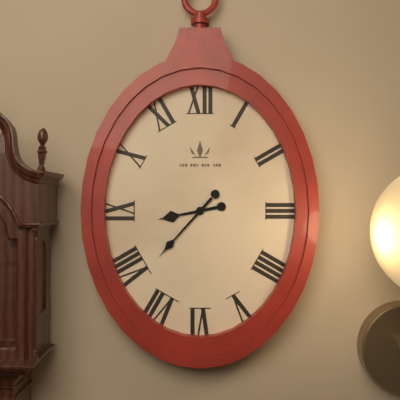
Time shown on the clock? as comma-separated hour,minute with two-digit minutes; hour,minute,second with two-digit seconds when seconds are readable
8,37
